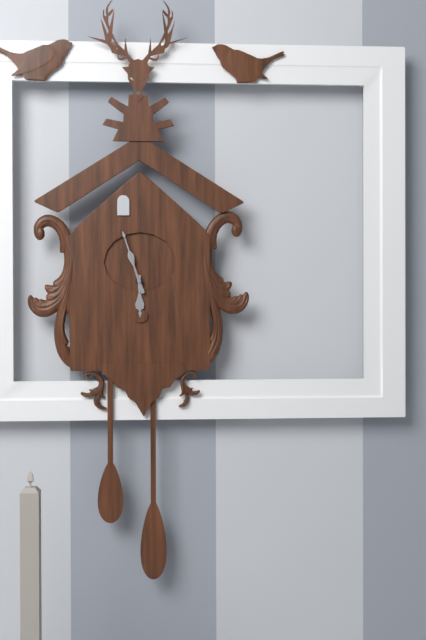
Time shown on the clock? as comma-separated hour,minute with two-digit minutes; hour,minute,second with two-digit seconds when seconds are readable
5,57,57
